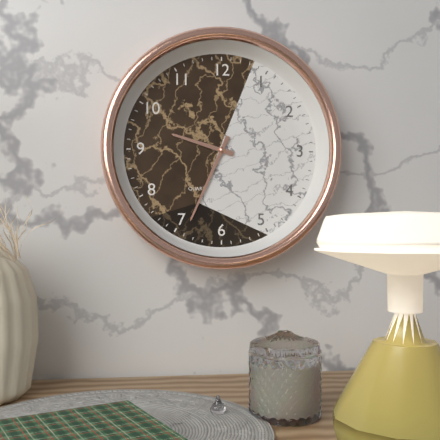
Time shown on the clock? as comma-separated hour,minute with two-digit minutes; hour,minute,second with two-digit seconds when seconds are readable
9,34
